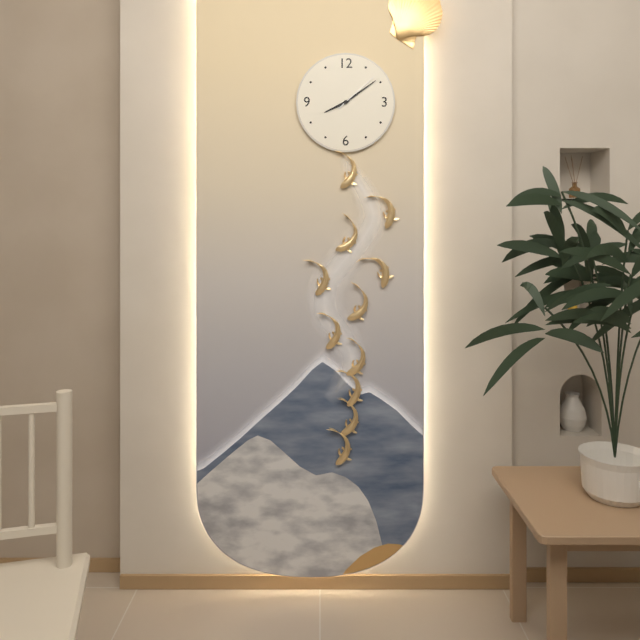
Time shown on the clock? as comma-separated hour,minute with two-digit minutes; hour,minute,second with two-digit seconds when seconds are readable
8,09
